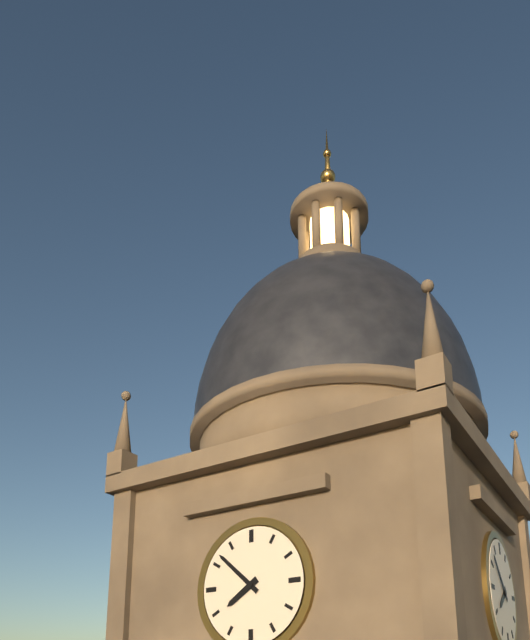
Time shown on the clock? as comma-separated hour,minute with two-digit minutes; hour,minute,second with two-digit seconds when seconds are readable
7,52
